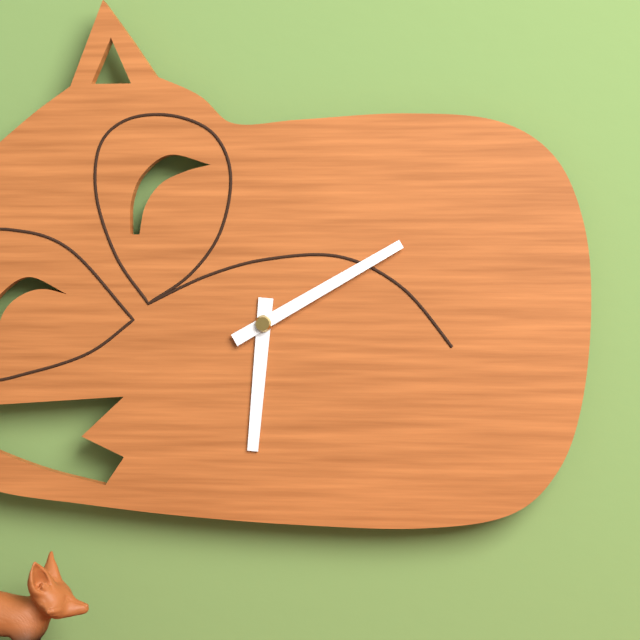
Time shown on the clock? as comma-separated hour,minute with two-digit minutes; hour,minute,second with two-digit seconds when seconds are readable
6,10
